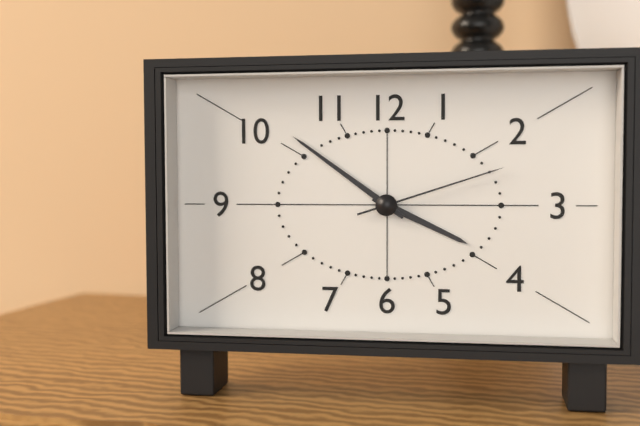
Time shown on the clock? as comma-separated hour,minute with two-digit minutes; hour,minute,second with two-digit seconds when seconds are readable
3,51,12
